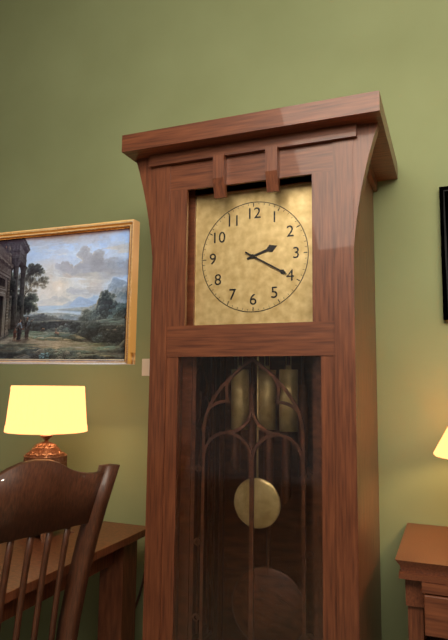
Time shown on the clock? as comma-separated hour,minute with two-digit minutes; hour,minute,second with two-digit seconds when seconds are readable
2,20
